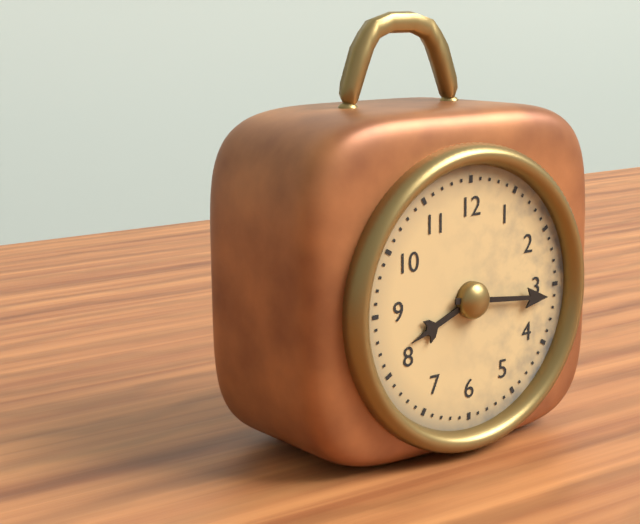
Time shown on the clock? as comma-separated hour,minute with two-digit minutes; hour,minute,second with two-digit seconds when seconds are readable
8,16
